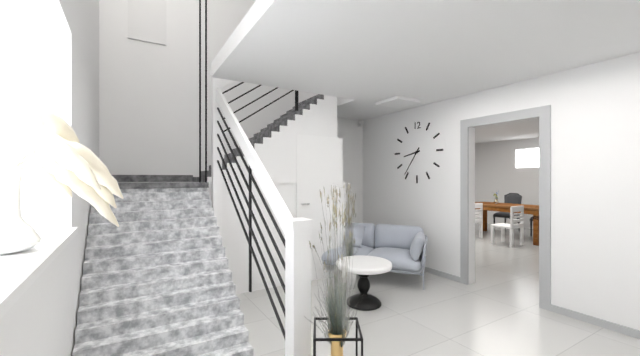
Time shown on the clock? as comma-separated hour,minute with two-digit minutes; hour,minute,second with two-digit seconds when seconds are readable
8,36
